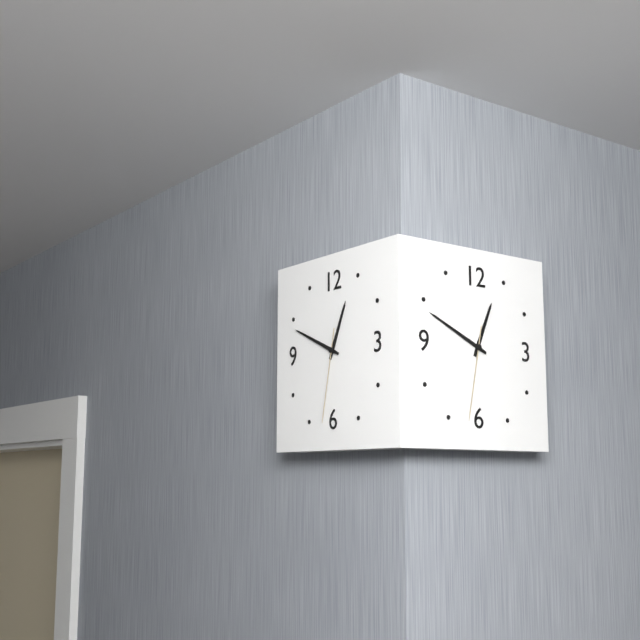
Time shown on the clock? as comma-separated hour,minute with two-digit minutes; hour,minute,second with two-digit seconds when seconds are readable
12,49,32
